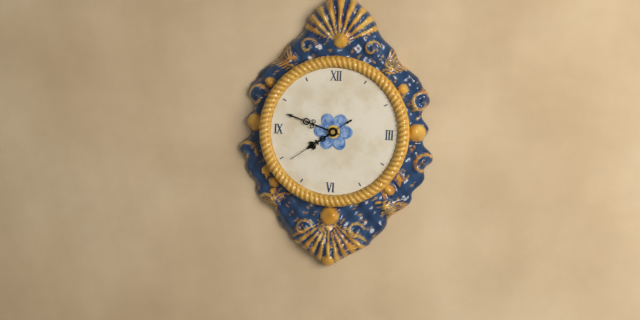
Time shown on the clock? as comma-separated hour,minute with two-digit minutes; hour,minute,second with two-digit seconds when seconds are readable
7,48,39
